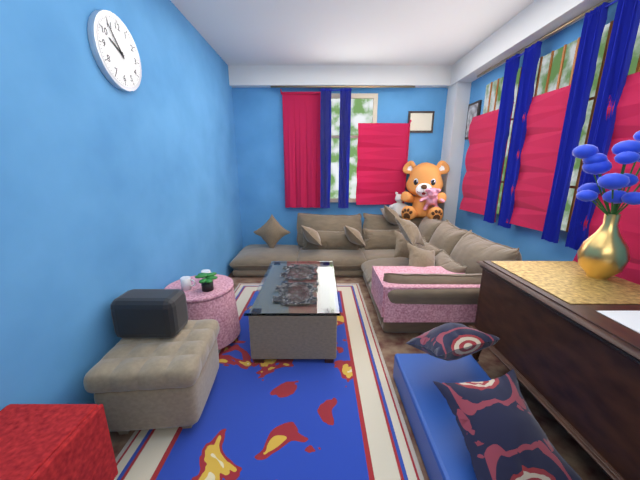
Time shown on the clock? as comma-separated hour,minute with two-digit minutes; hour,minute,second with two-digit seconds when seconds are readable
9,54
